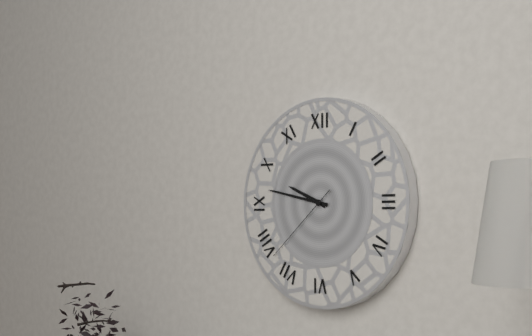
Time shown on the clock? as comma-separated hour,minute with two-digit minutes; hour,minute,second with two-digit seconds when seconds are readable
9,47,38
